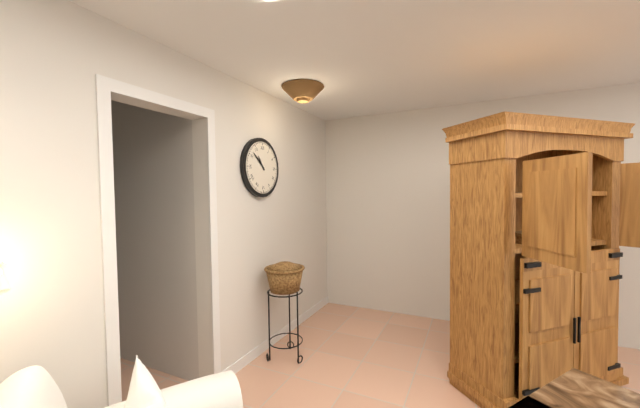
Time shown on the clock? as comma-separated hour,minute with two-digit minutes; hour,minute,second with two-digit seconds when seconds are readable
10,52
